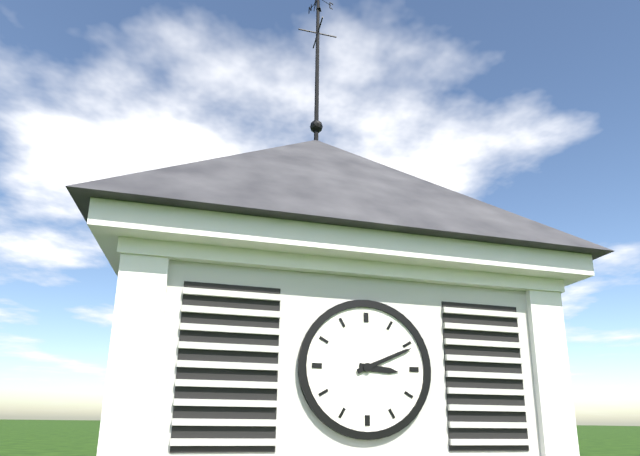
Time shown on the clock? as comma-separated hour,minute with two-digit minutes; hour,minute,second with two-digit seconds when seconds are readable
3,11
